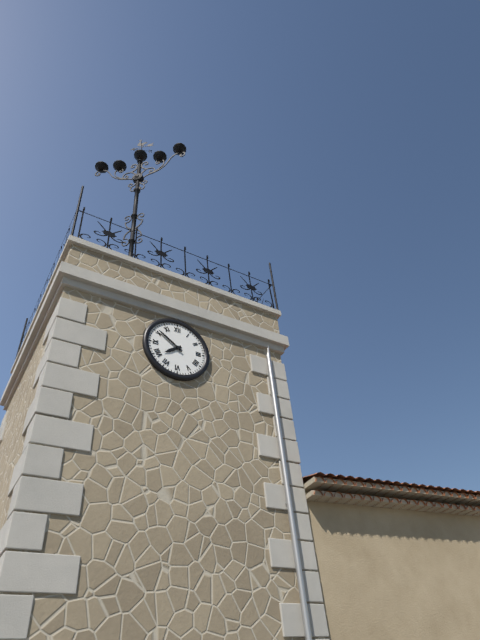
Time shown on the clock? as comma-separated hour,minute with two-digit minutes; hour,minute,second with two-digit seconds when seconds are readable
7,51
